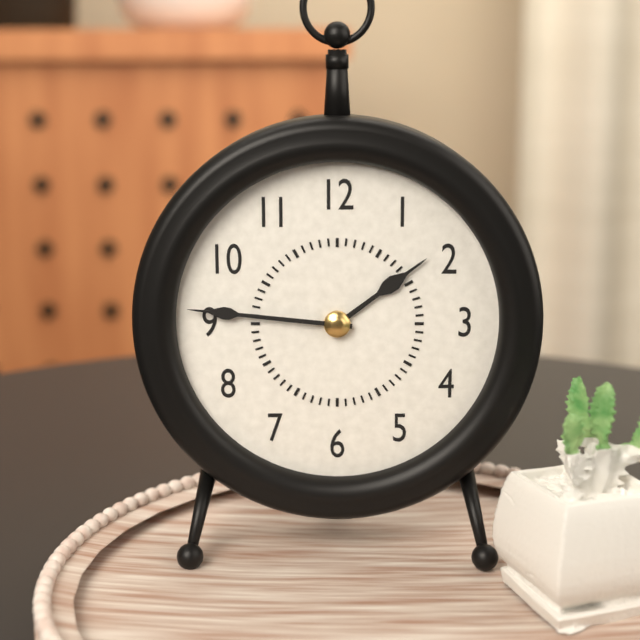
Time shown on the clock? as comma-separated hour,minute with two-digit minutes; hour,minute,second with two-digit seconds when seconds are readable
1,46
